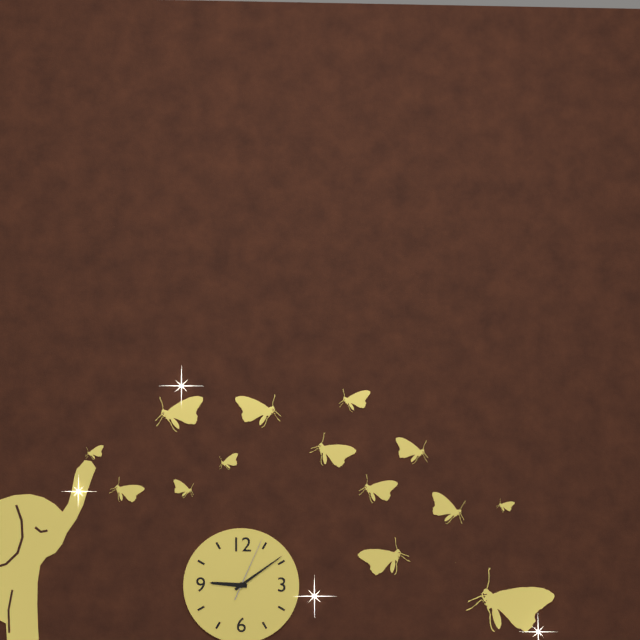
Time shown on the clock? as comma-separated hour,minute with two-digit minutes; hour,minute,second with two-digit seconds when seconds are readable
9,09,04
